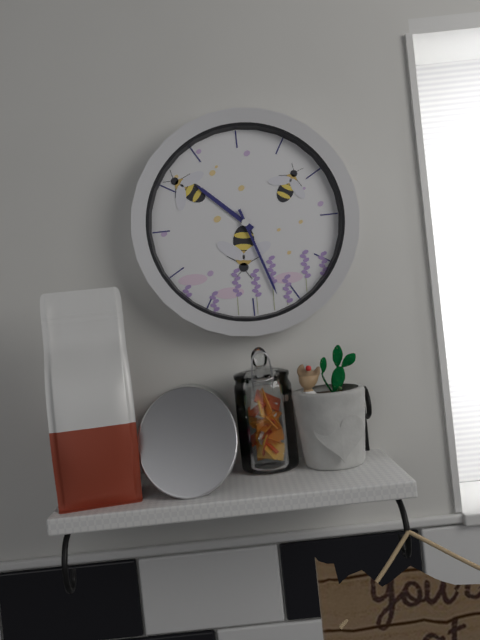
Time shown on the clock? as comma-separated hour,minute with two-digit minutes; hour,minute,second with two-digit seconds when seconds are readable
10,27
